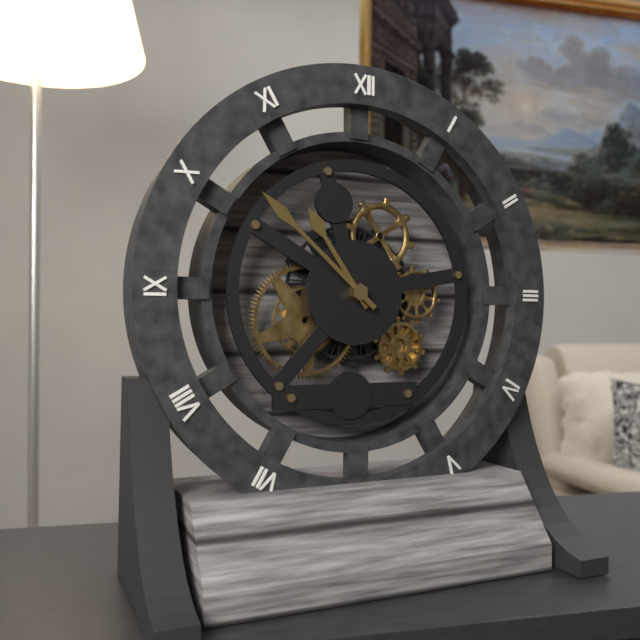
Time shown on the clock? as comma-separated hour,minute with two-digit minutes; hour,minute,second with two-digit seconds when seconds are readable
10,52
